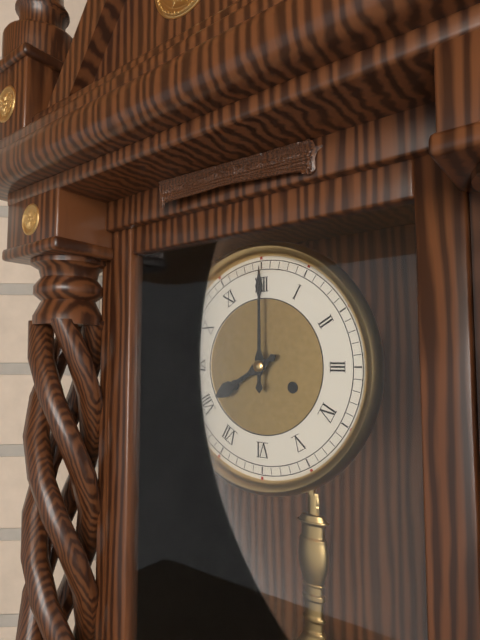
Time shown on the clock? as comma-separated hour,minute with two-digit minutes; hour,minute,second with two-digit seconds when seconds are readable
8,00
